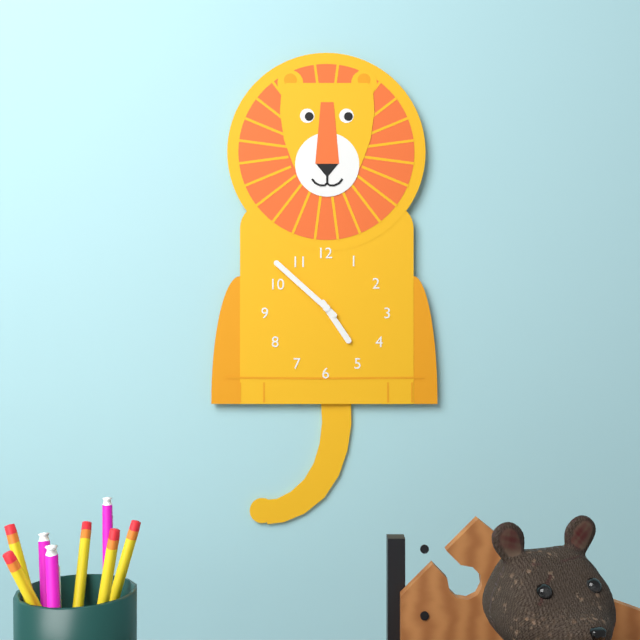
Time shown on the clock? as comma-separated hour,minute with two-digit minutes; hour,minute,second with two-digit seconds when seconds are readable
4,52
